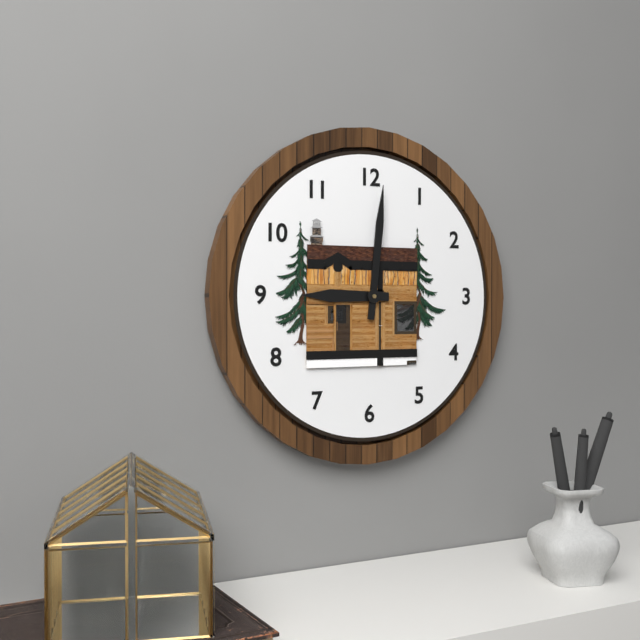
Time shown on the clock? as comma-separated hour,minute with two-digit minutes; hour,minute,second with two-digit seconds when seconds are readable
9,01
